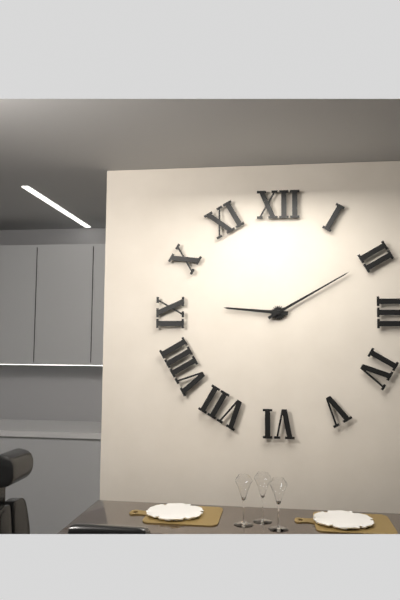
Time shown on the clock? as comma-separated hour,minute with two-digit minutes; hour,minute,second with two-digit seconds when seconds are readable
9,10
